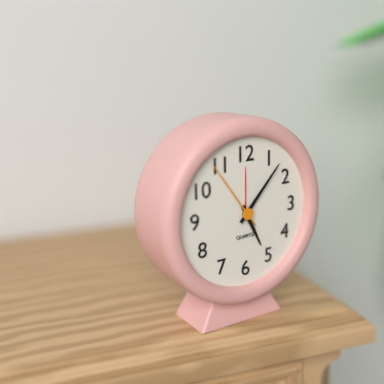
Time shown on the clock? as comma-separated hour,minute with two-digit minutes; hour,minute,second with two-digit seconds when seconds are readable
5,07,54
